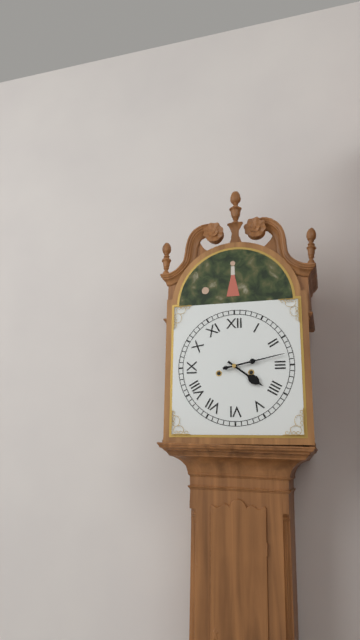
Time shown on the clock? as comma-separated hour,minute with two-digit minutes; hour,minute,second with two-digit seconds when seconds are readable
4,13
